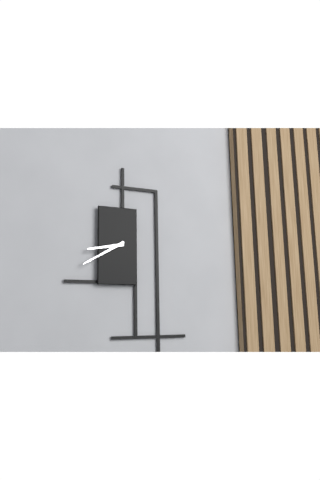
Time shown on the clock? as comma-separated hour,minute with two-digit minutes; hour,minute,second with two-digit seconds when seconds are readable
8,40
